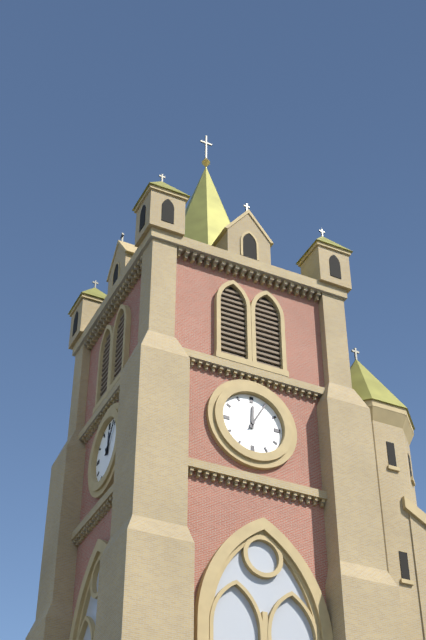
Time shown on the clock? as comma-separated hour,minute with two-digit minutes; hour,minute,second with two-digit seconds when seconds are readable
12,05
